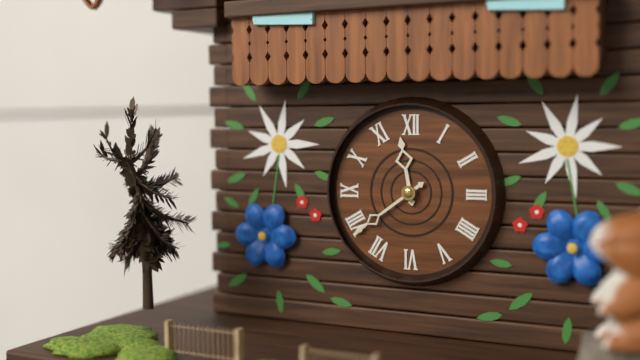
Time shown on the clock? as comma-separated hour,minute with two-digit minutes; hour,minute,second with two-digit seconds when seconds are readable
11,39
